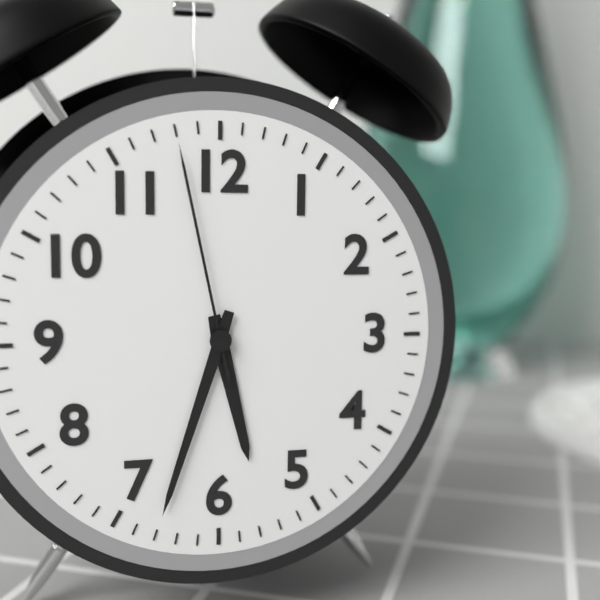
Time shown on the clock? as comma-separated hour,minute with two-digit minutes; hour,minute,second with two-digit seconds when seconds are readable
5,33,58
